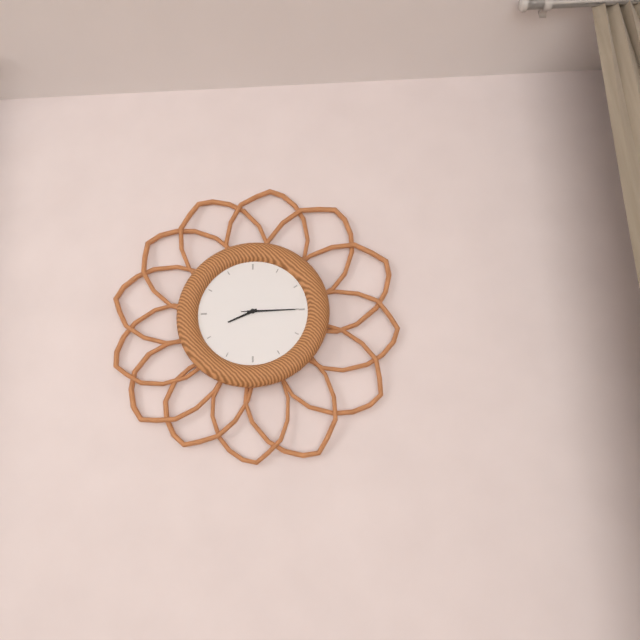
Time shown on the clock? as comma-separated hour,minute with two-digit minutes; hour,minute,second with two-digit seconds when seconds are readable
8,15,15
